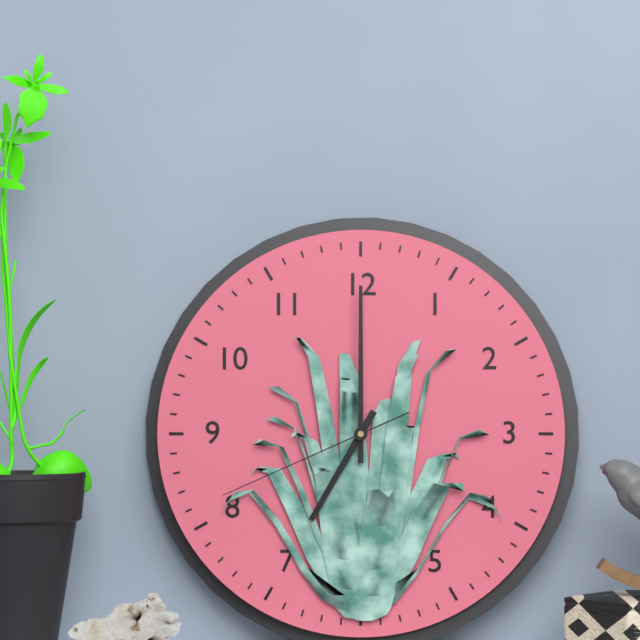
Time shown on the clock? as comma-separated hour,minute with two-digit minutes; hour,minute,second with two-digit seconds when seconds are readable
7,00,41
